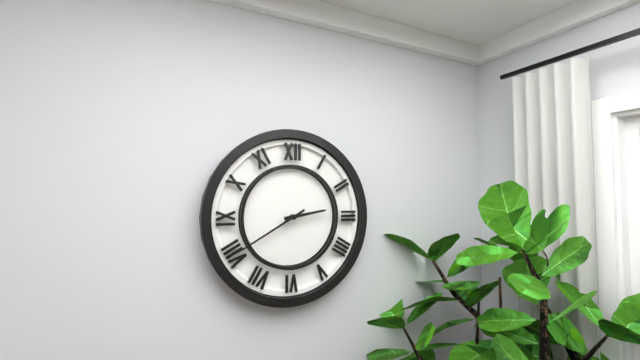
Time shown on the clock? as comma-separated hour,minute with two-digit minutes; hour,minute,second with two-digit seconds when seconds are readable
2,40
